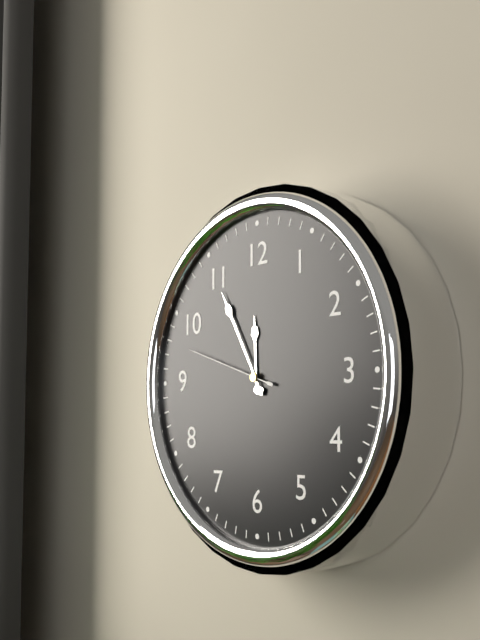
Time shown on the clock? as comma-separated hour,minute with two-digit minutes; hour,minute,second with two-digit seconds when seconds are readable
11,55,48
